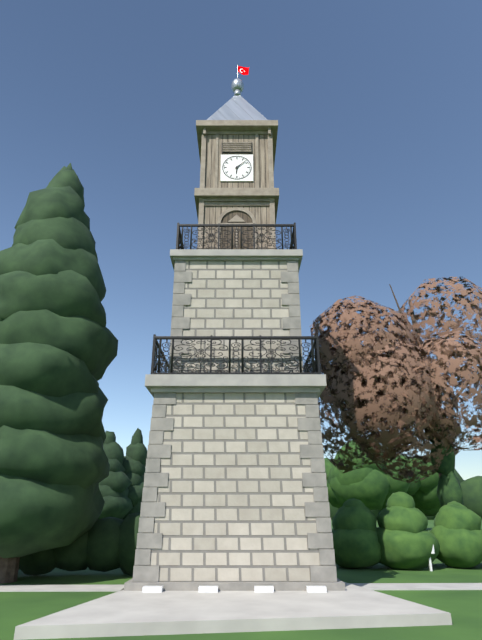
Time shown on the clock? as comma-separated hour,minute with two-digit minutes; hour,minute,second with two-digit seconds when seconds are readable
6,08
